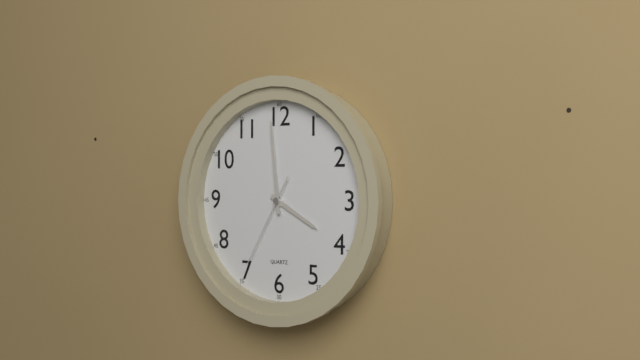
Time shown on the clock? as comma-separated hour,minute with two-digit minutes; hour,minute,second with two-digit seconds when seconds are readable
3,59,35
